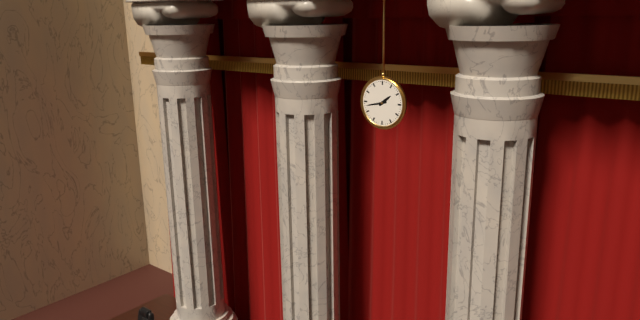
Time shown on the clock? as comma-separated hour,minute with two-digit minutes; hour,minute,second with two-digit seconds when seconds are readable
1,43
